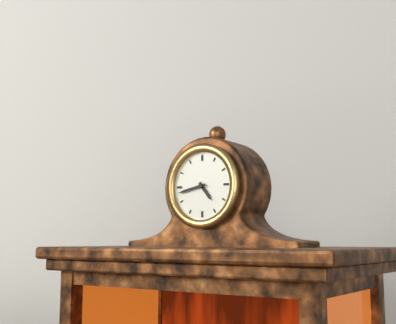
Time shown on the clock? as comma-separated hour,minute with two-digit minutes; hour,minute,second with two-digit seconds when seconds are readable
4,43
